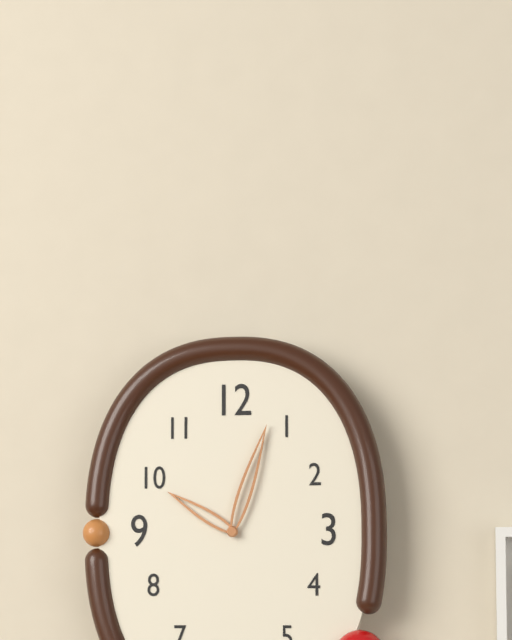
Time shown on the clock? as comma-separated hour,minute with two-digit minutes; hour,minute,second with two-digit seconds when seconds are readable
10,03
